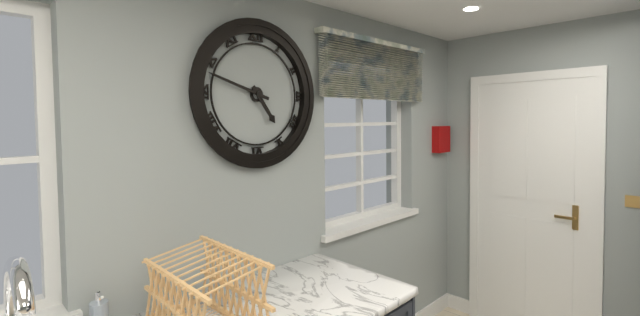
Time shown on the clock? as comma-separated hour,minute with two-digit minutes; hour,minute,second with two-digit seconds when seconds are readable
4,48
